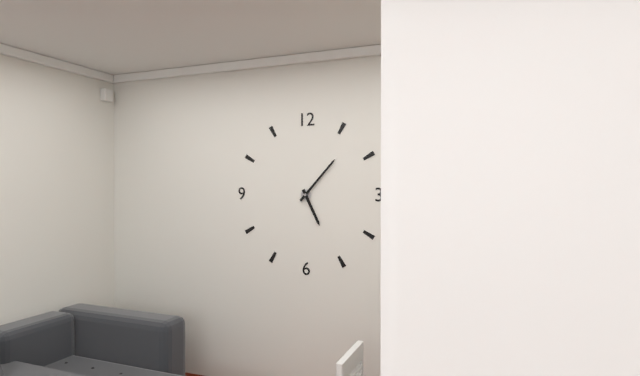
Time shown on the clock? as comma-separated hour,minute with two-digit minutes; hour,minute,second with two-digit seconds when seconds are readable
5,07
